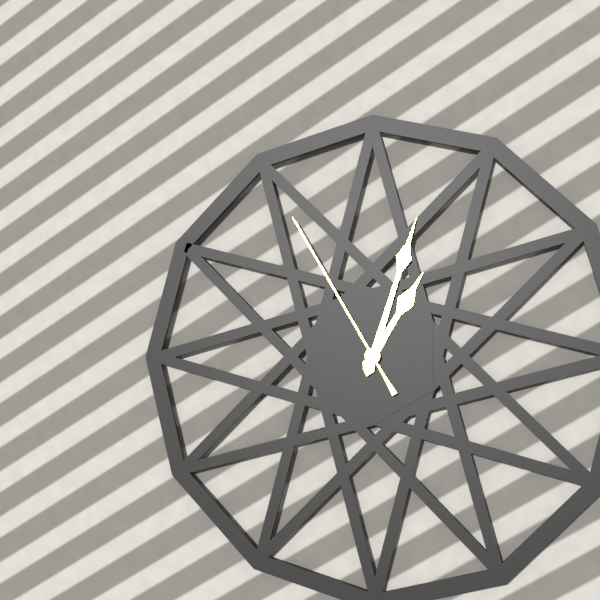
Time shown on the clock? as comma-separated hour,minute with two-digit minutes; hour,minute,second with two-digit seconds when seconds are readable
1,03,55
